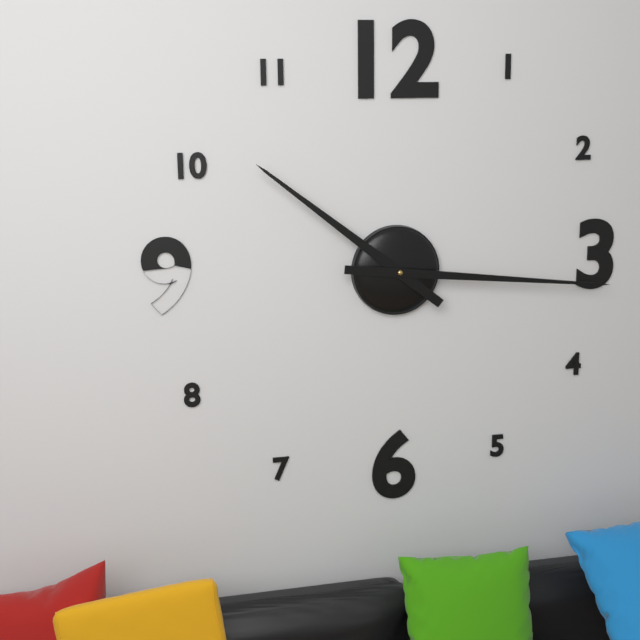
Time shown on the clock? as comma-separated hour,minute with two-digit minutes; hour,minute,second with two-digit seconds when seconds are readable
10,16
